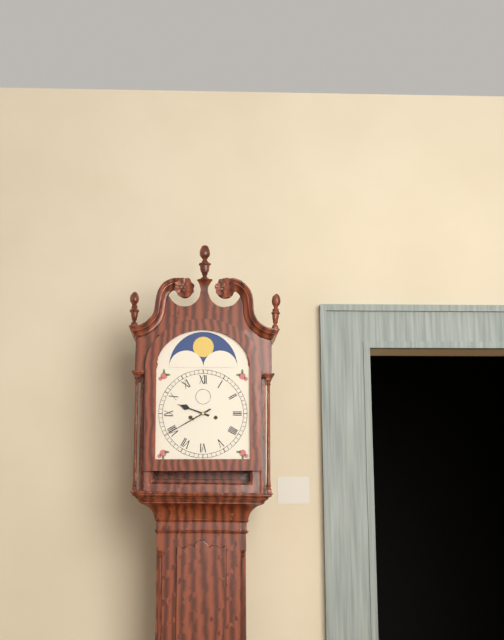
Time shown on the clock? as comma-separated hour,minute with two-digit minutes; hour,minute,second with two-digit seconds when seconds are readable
9,40
